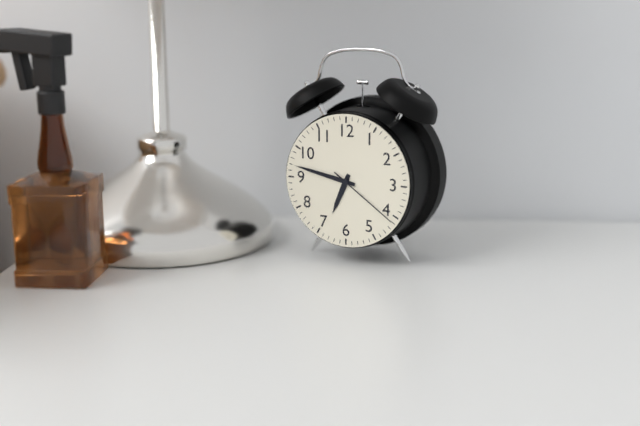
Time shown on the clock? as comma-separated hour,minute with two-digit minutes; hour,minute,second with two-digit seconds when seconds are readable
6,47,21
